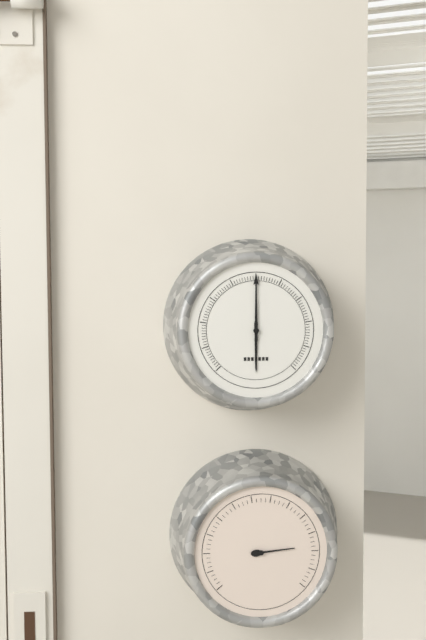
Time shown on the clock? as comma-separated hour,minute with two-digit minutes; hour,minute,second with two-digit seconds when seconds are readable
6,00
